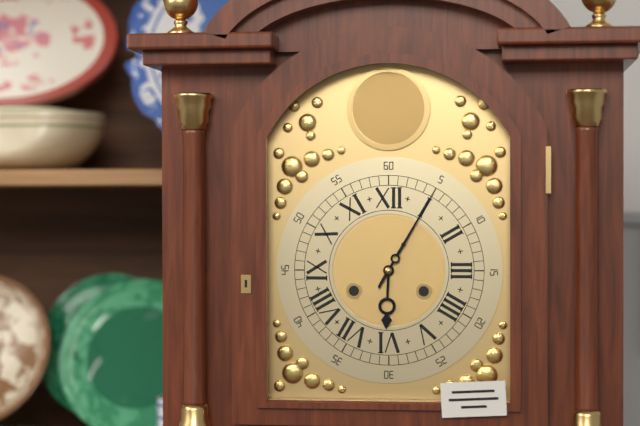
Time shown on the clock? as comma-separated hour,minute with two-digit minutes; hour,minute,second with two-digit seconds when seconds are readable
6,05
